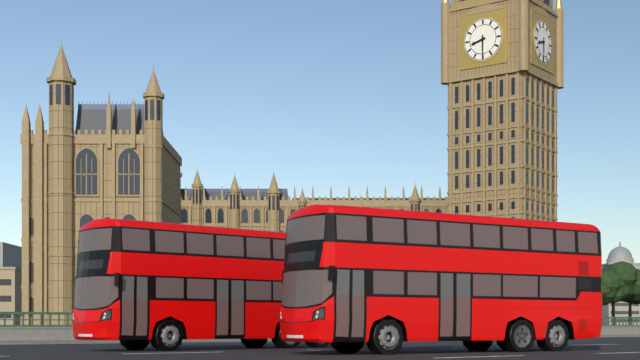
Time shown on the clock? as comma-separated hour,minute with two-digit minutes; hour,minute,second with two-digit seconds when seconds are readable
8,30
